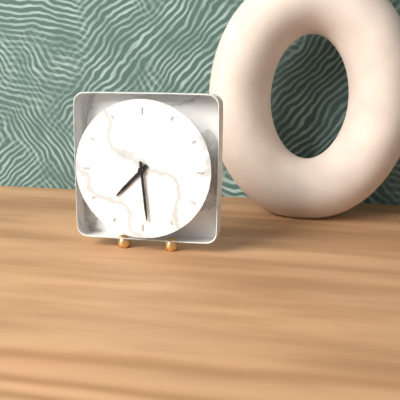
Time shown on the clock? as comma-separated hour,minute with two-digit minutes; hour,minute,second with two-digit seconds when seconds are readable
7,29
